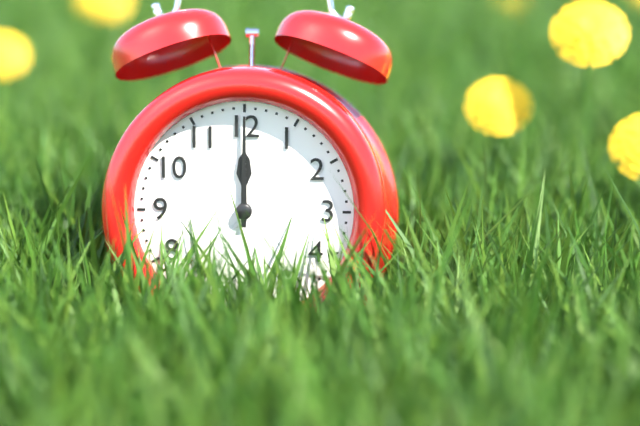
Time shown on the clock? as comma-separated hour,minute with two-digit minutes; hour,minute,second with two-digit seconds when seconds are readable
12,00
